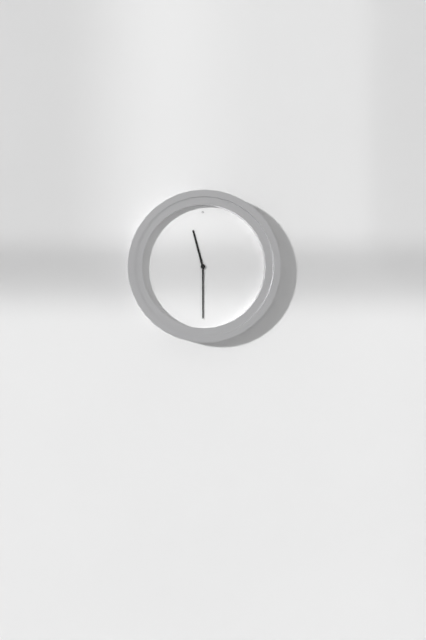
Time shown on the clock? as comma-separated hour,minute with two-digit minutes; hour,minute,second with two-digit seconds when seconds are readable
11,30
